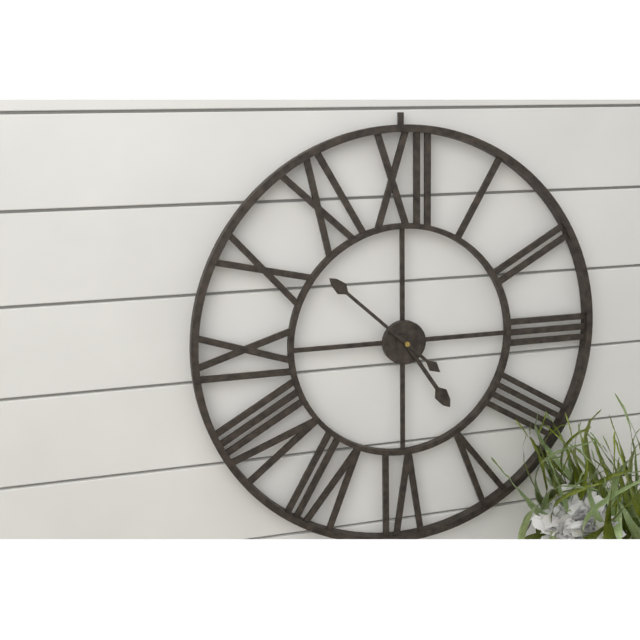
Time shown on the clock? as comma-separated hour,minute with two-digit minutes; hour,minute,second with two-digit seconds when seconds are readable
4,52
